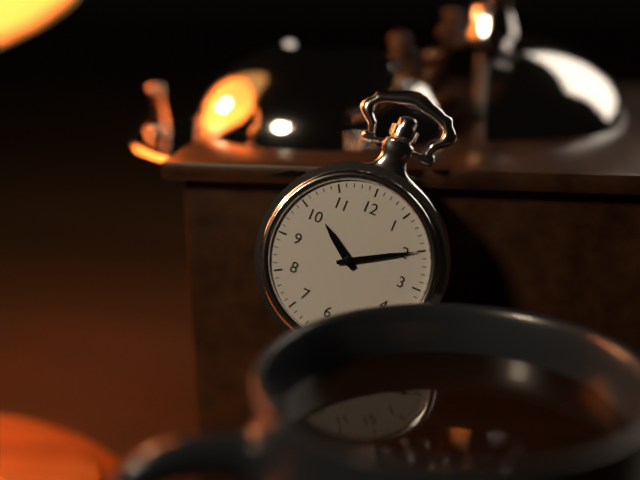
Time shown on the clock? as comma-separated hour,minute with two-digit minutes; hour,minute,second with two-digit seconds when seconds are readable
10,10
